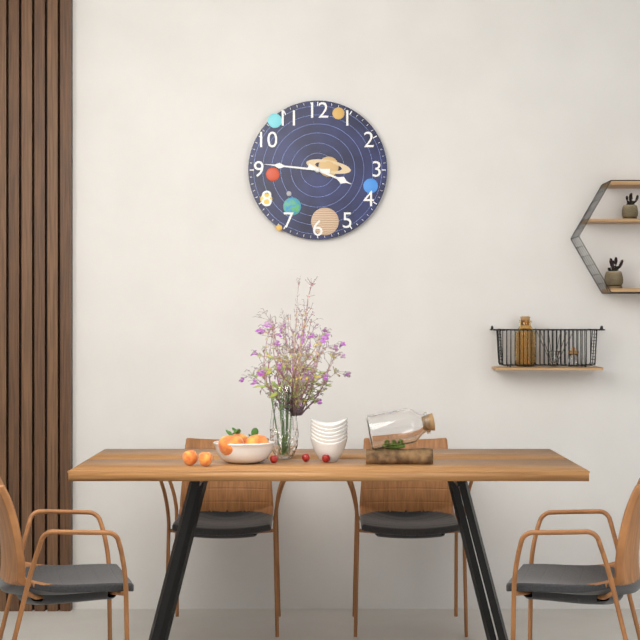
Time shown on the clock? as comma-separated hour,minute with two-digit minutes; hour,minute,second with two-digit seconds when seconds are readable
3,46
